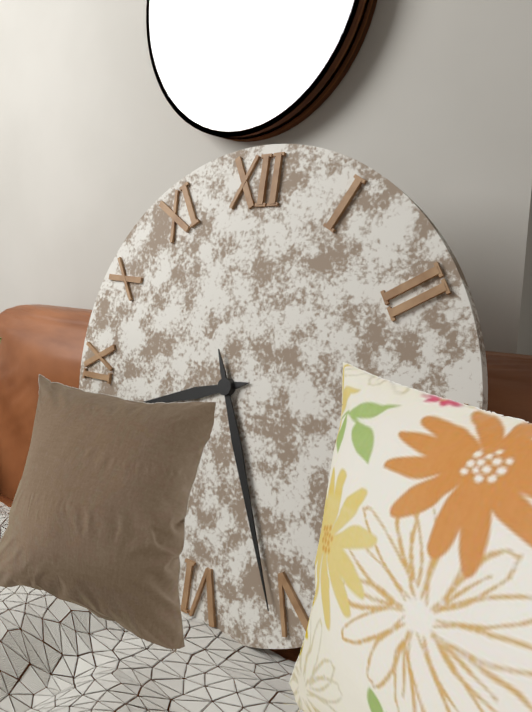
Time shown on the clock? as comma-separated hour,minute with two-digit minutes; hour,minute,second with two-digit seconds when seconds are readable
8,26
